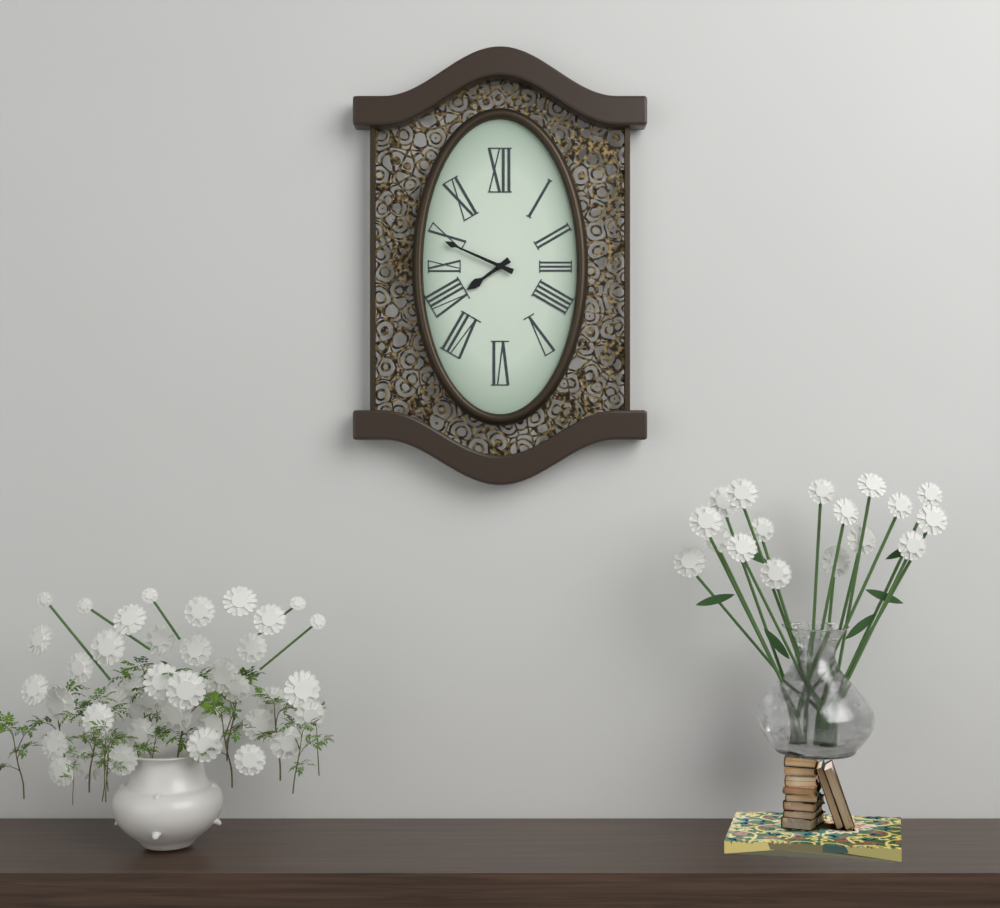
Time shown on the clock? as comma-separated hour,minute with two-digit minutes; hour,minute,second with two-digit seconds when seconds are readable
7,49
